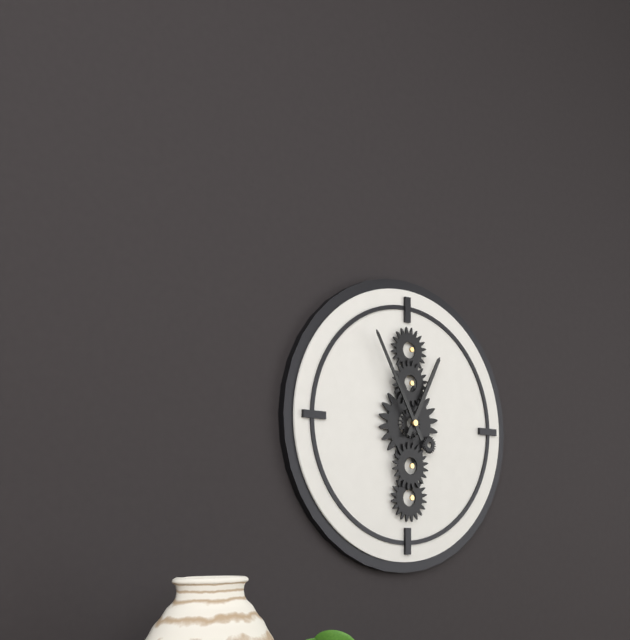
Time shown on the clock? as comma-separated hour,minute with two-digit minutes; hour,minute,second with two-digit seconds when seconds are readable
12,55
